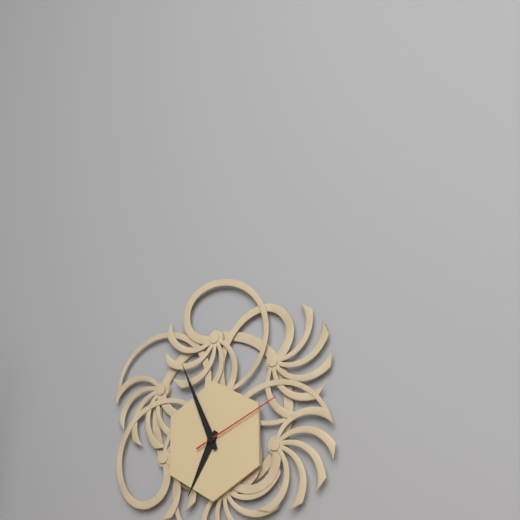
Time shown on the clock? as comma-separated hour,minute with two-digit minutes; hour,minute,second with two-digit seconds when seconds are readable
6,56,11
